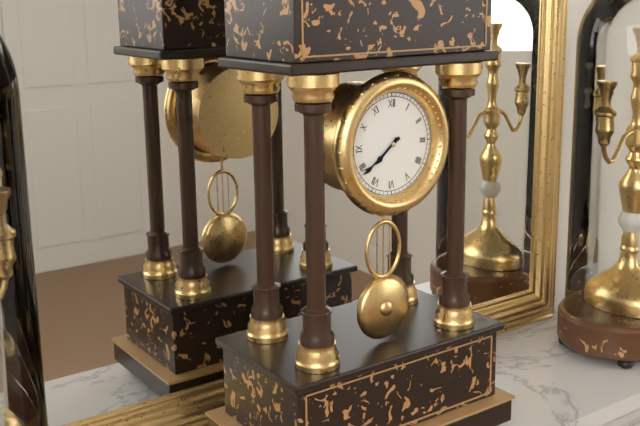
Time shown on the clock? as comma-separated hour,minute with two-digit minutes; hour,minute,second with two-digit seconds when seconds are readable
7,39
